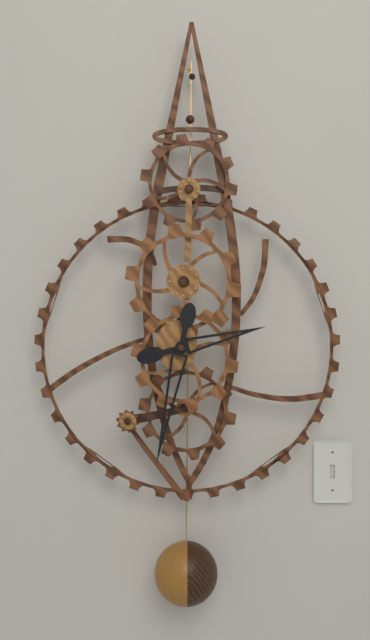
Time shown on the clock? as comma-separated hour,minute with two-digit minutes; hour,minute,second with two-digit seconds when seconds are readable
2,32
